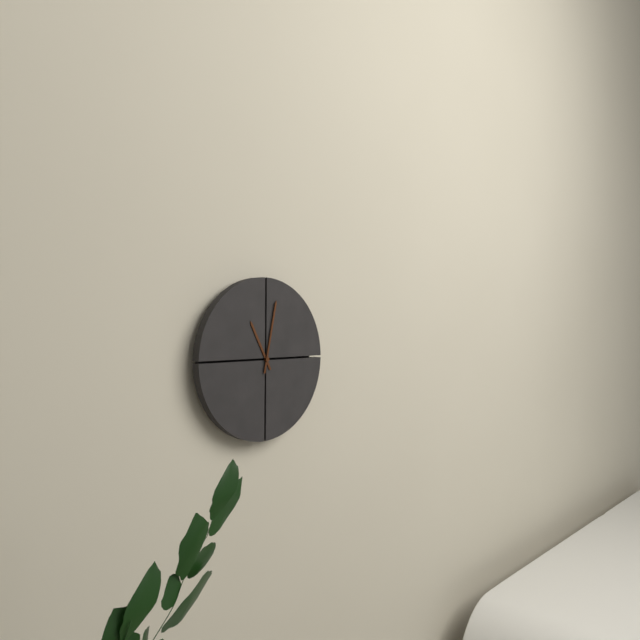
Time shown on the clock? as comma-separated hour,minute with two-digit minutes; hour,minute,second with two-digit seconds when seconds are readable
11,02
